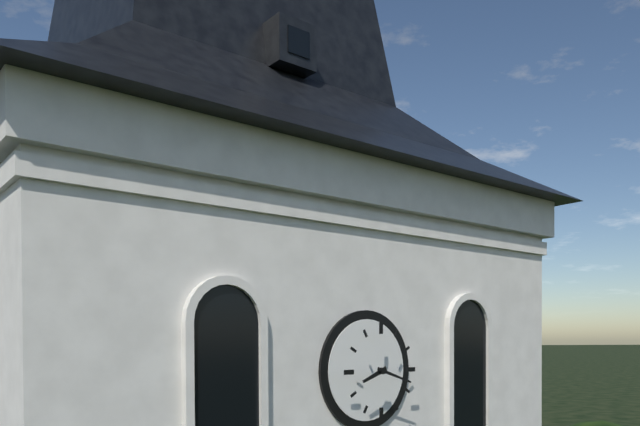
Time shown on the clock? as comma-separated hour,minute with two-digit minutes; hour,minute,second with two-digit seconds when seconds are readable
8,18
